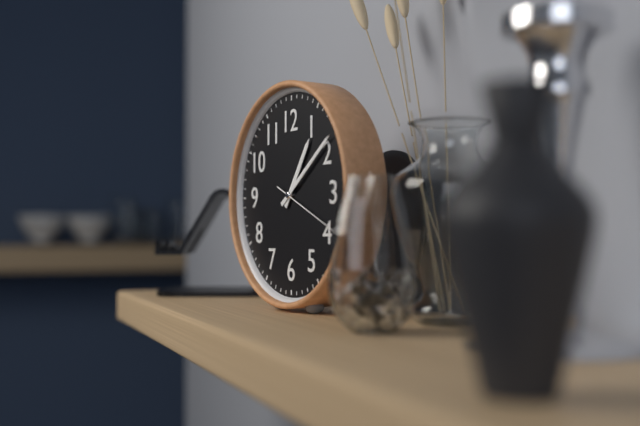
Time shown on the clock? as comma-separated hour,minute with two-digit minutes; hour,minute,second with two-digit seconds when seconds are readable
1,09,19
